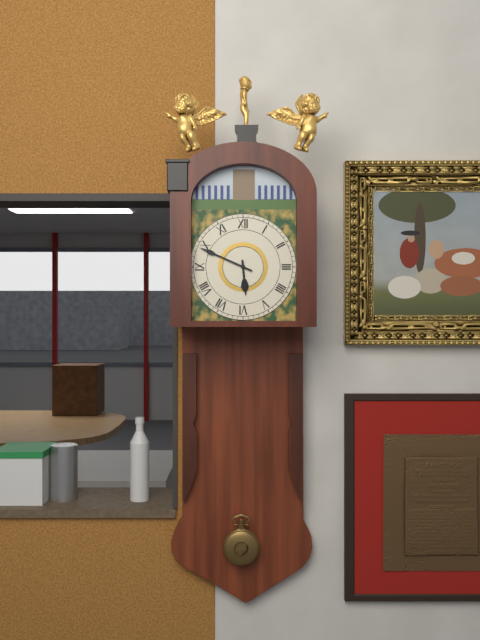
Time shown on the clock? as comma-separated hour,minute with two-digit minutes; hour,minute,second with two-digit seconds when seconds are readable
5,49
